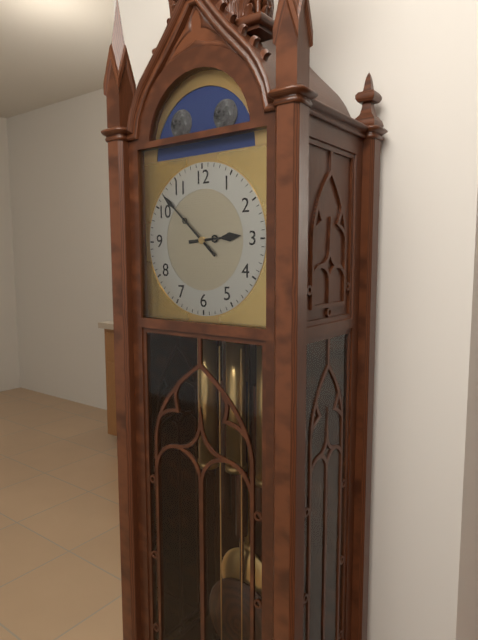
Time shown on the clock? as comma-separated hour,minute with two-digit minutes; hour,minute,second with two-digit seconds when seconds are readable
2,52
